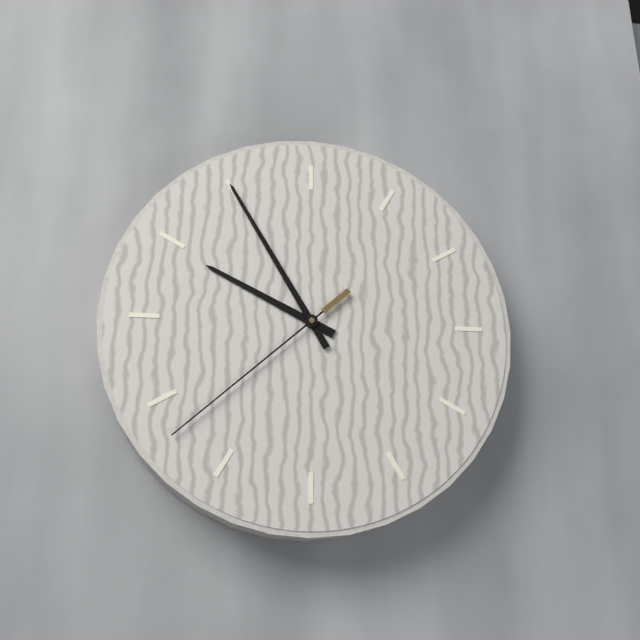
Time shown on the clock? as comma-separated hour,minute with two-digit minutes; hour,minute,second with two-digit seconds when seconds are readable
9,55,38
